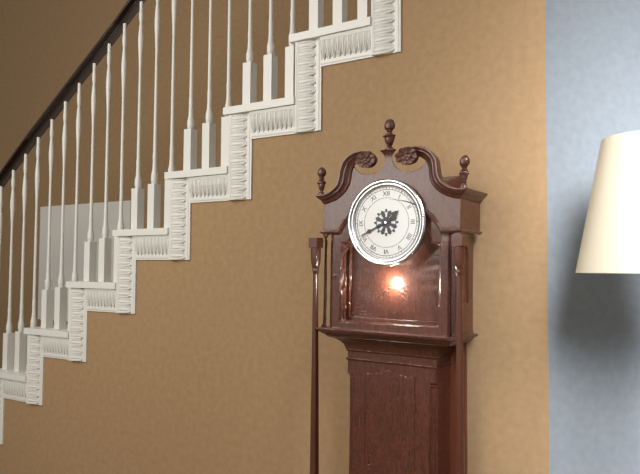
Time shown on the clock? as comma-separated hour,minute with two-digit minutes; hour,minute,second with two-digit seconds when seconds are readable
1,41
